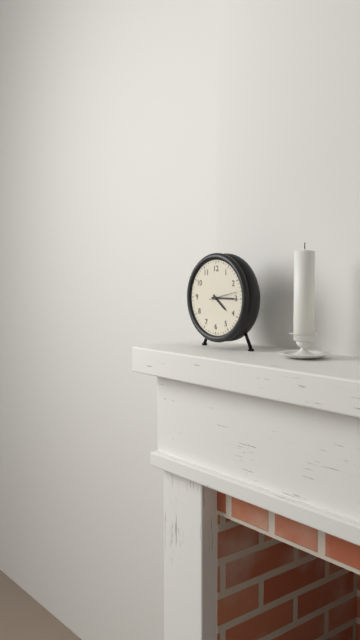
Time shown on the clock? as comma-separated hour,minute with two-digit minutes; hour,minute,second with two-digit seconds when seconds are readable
4,15
